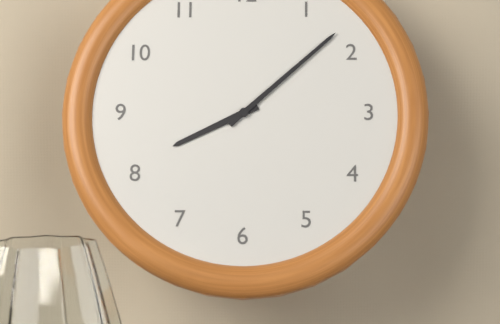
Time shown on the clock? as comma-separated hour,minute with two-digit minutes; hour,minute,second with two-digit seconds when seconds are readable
8,08
